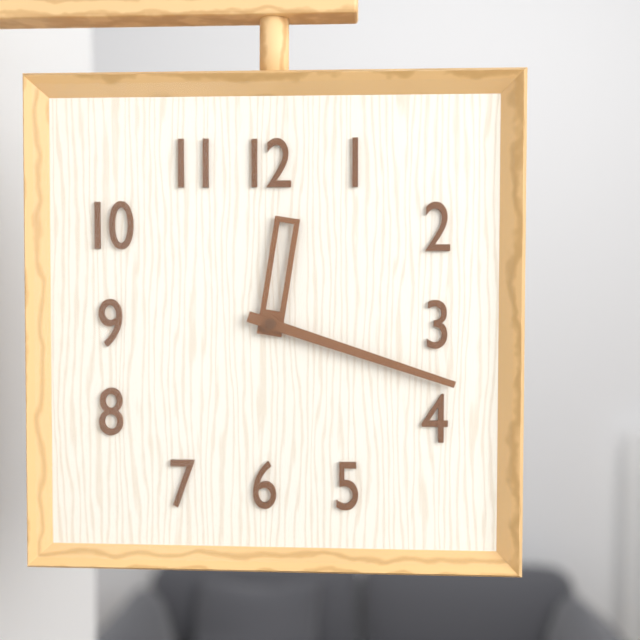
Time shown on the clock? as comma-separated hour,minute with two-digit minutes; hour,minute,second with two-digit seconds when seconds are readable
12,18
